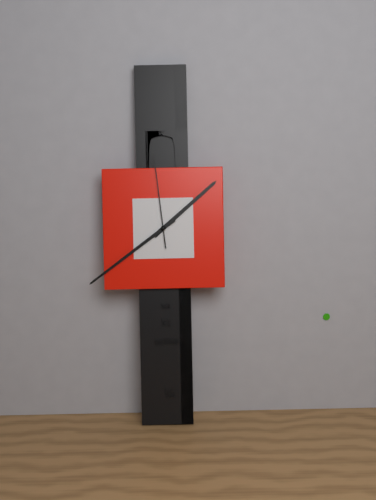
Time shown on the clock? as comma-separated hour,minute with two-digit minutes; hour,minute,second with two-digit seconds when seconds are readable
1,39,59
